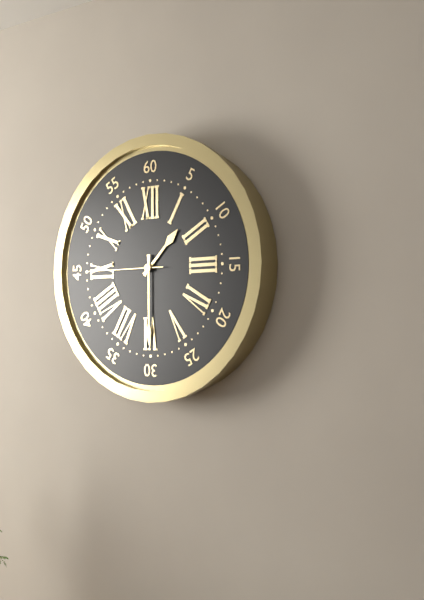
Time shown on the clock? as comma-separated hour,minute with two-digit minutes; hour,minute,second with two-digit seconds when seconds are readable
1,30,45
